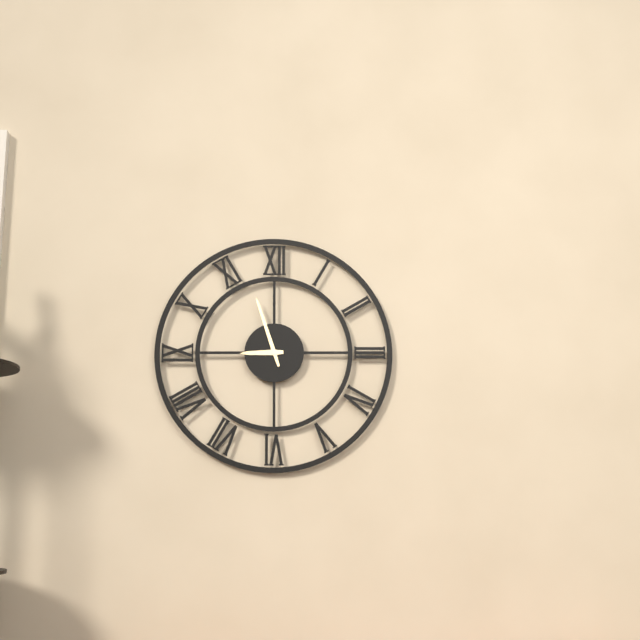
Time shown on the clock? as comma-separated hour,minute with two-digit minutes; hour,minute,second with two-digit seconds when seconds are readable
8,57
